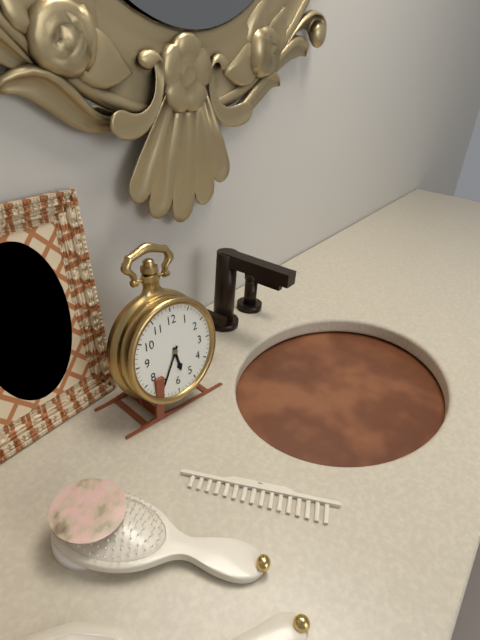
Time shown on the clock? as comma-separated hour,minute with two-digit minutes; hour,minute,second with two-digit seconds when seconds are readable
5,35
